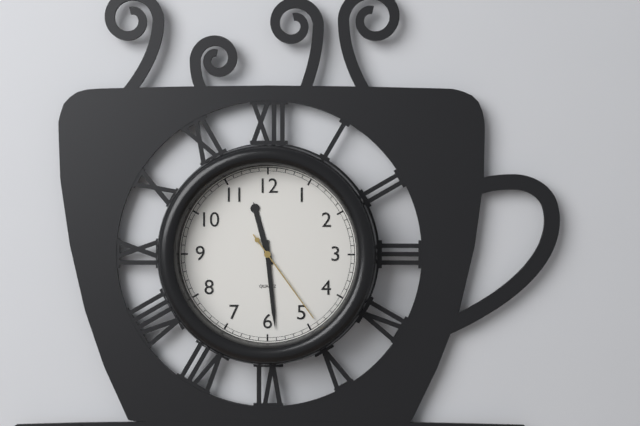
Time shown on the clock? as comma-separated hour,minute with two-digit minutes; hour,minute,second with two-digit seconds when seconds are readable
11,29,24
